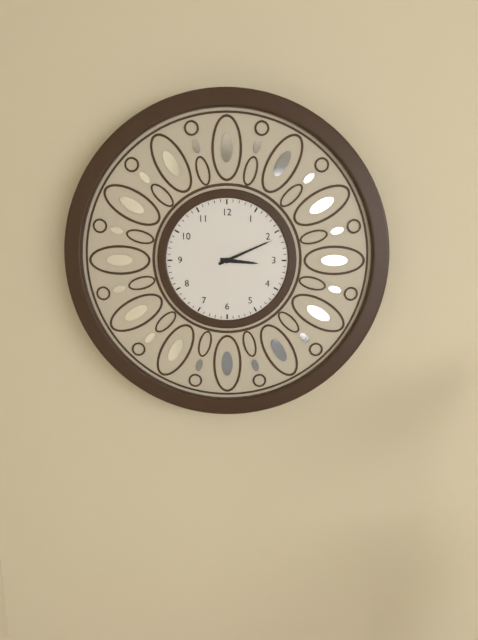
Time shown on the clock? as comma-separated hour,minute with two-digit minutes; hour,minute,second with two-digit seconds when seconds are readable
3,11
